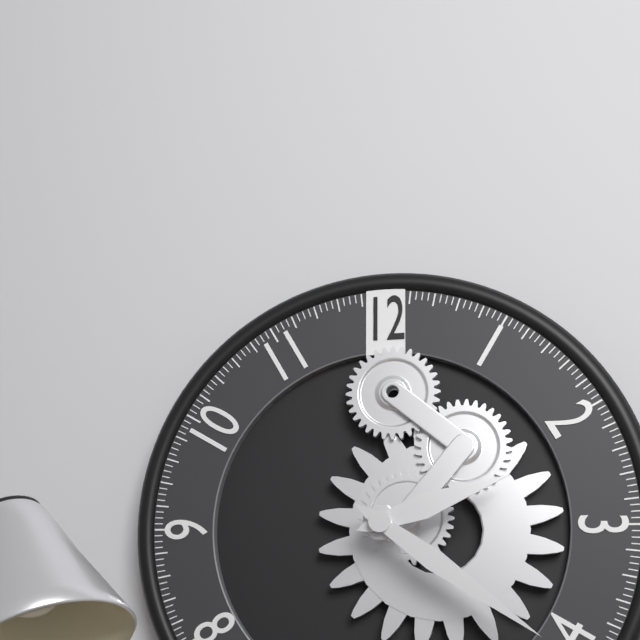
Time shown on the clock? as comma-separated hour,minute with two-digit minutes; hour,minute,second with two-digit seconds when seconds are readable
2,21
